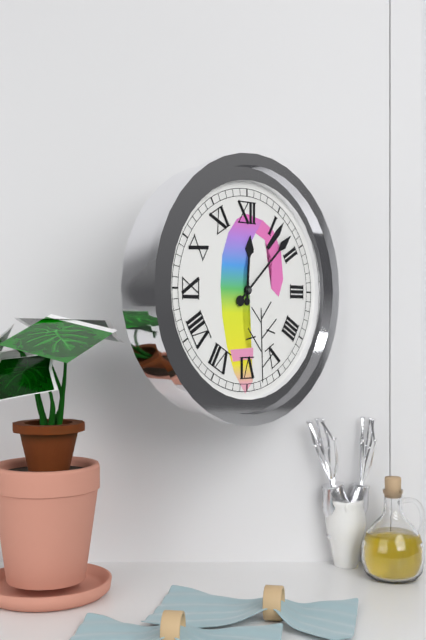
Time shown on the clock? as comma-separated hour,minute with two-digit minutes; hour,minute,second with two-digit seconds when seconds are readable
12,08
